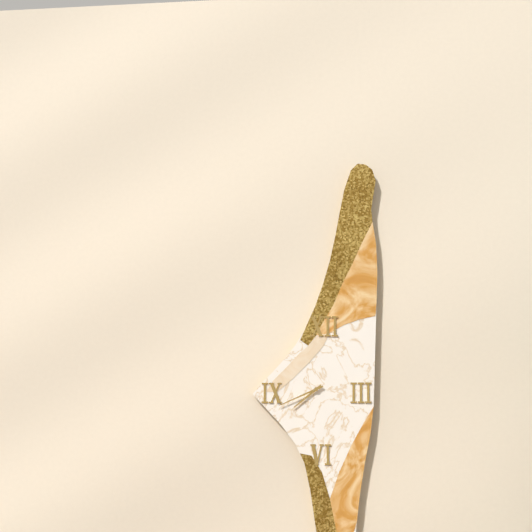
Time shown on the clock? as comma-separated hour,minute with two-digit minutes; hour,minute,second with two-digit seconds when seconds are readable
7,41
